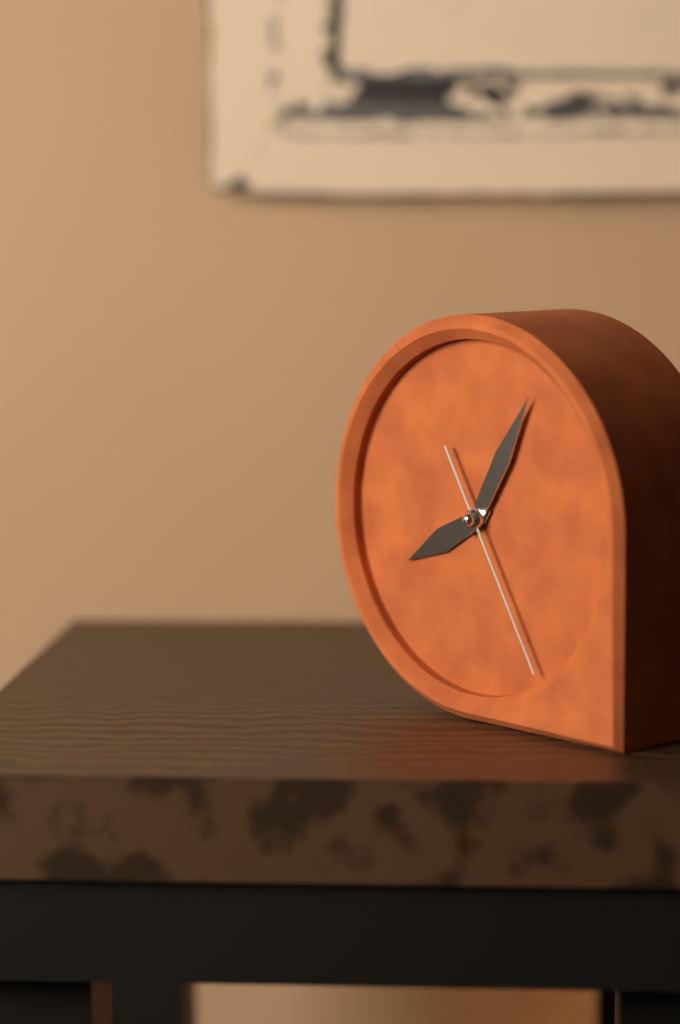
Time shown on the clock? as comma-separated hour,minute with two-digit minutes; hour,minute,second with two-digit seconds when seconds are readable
8,05,25
